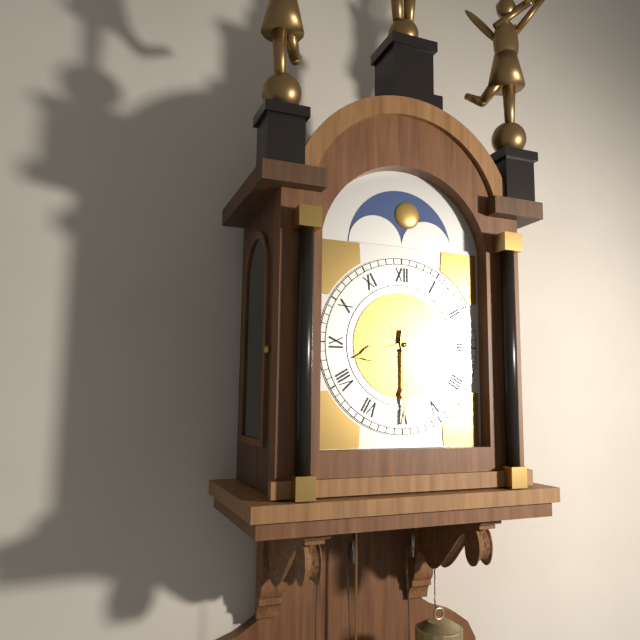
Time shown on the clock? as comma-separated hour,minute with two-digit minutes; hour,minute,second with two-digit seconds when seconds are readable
8,30
